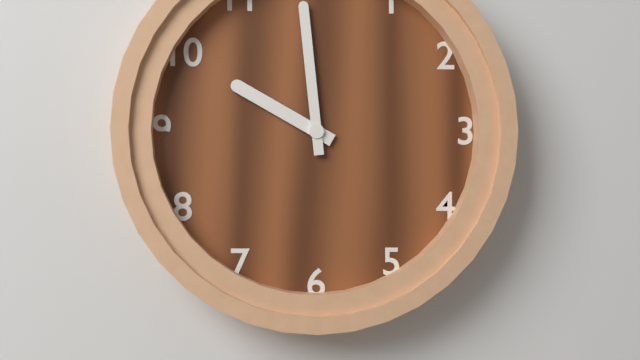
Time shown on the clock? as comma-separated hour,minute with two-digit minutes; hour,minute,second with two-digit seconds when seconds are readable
9,59
